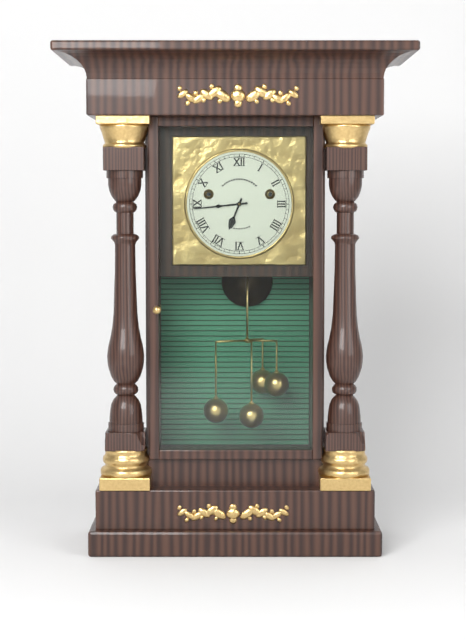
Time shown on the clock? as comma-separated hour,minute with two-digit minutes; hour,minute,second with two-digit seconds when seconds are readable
6,44
